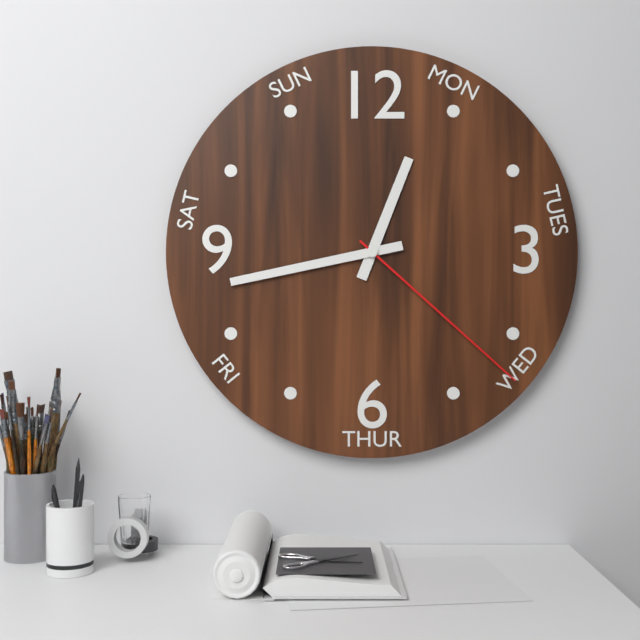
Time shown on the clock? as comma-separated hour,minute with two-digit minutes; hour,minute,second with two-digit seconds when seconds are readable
12,43,22
